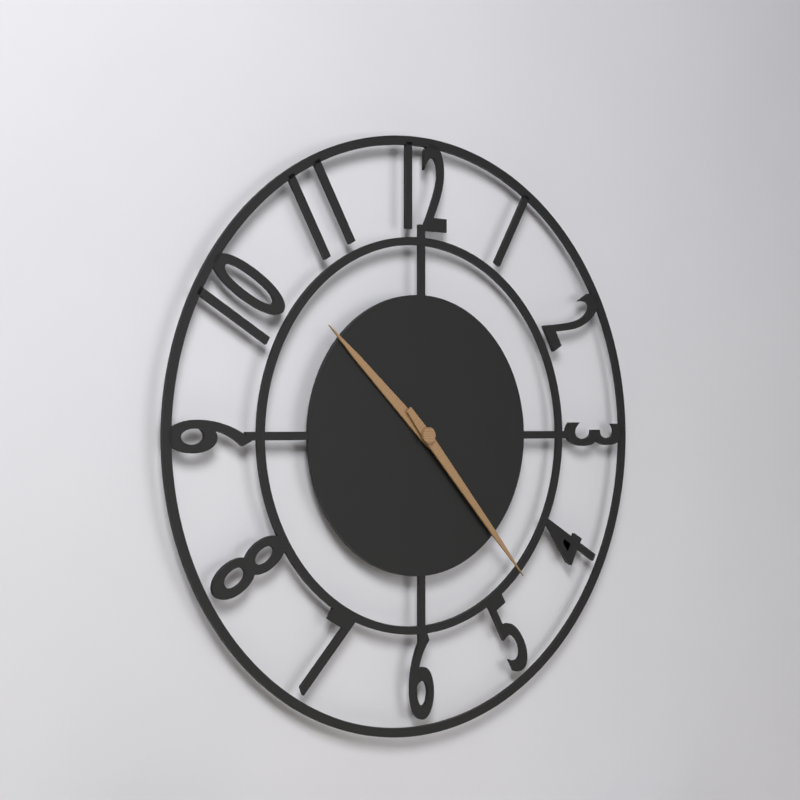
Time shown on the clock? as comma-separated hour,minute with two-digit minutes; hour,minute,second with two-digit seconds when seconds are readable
10,23
